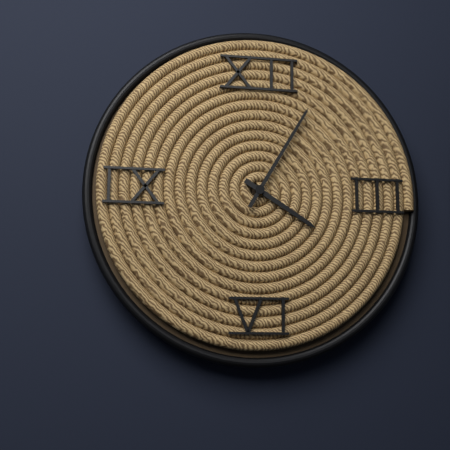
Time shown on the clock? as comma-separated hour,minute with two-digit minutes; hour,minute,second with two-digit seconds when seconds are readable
4,05
